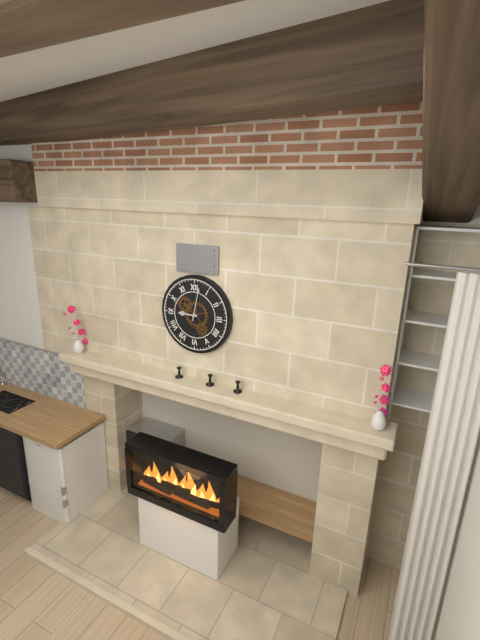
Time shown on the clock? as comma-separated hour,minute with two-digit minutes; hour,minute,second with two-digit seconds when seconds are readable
9,02
